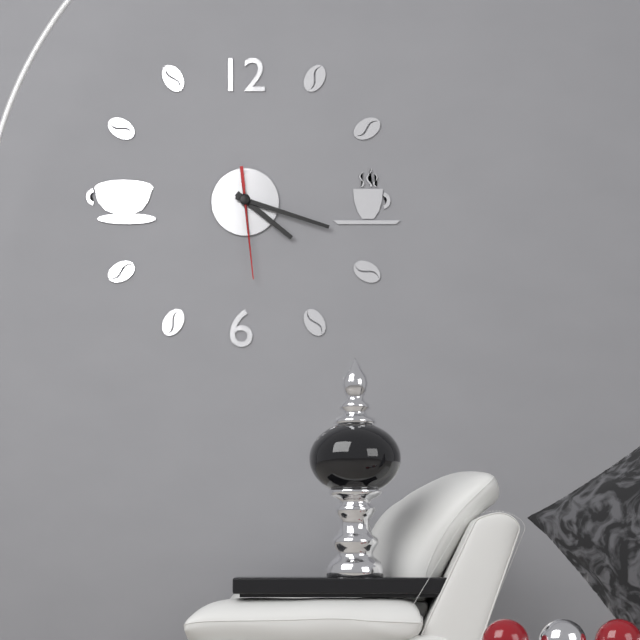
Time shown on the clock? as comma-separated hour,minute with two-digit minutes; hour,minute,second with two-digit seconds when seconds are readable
4,18,29
